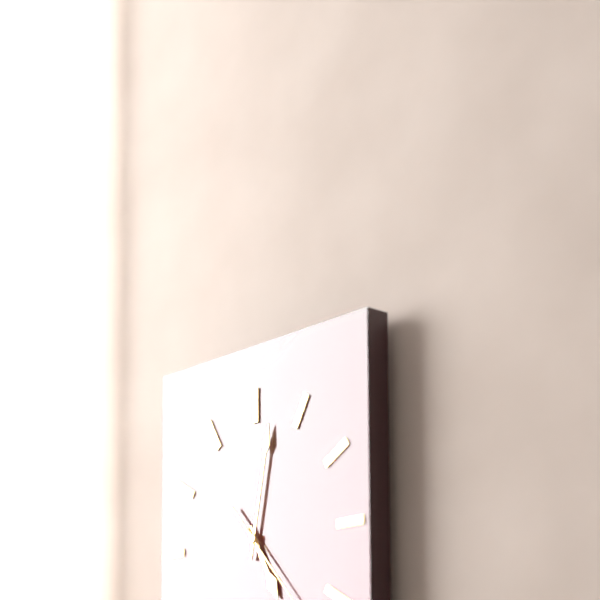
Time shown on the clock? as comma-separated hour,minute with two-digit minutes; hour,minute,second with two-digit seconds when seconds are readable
5,02
